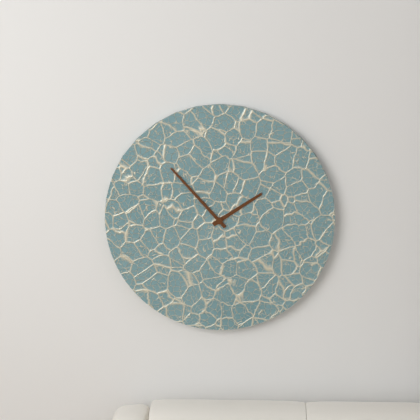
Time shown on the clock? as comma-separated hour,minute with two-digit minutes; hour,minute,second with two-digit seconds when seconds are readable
1,53
